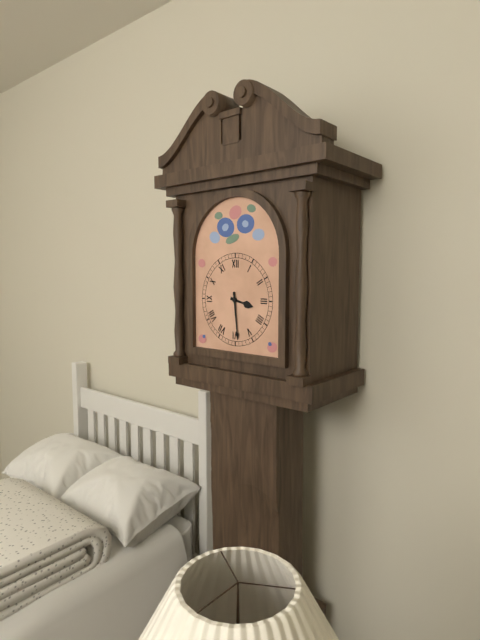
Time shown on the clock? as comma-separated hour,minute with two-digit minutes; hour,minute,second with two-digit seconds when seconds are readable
3,29
